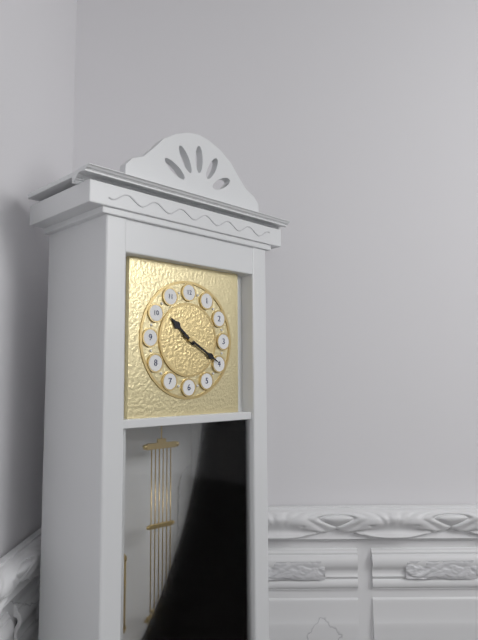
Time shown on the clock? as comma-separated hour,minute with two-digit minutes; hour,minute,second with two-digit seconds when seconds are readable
10,20
